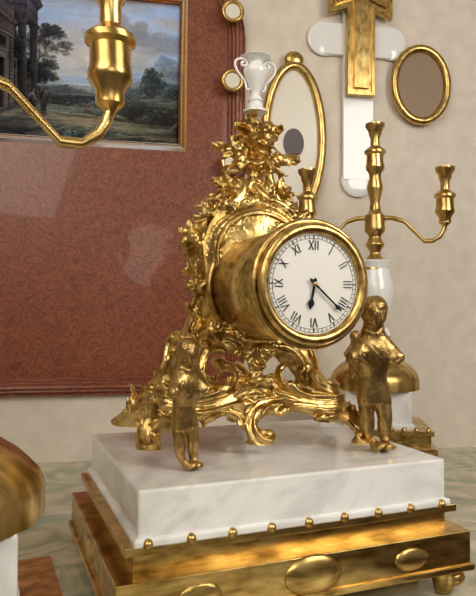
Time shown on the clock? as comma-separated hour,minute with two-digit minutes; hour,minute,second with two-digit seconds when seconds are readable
6,22
